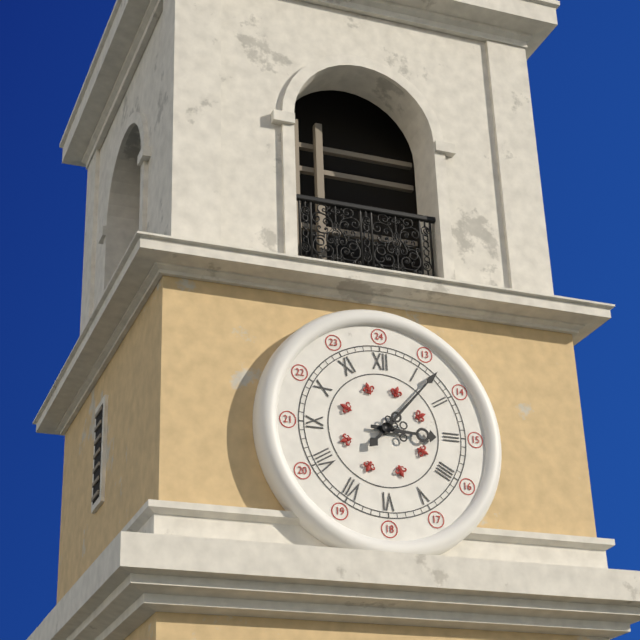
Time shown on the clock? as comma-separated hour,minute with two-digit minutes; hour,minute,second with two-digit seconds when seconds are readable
3,07
